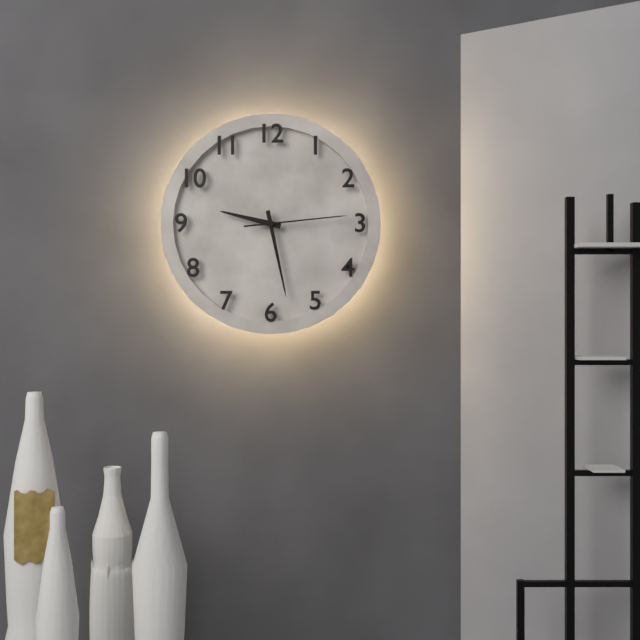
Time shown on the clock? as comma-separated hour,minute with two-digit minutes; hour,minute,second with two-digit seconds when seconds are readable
9,28,14
